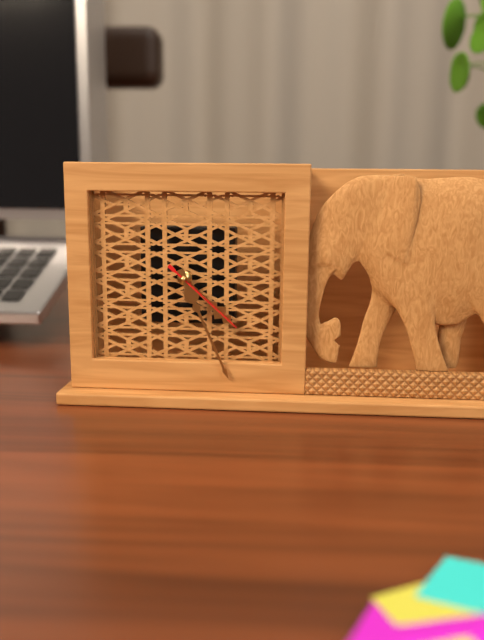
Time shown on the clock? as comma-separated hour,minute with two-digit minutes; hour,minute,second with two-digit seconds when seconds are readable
4,26,22
